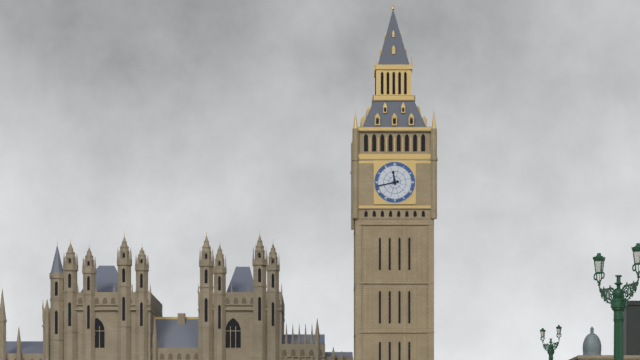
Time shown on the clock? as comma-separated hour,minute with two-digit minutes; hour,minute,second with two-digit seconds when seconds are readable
11,43
